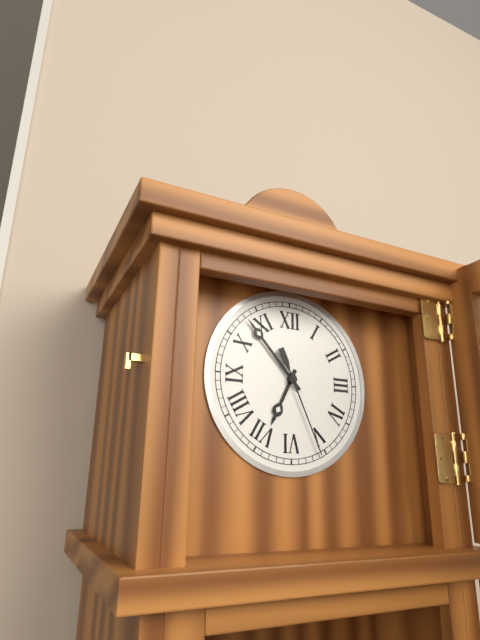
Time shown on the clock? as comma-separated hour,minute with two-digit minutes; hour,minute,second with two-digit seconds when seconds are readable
6,53,26
